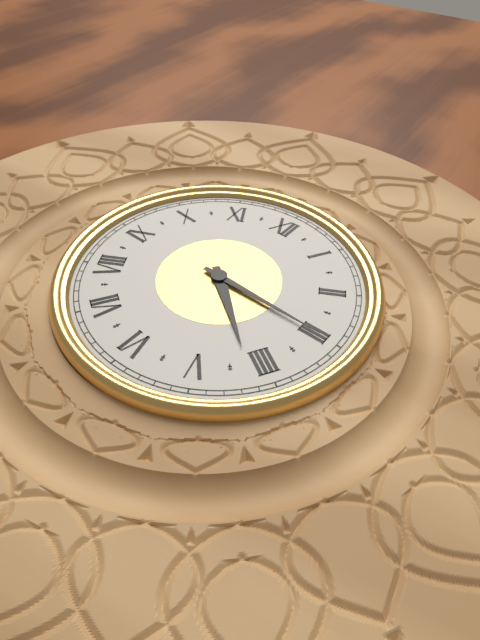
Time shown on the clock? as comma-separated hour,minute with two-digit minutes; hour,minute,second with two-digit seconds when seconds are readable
4,15
